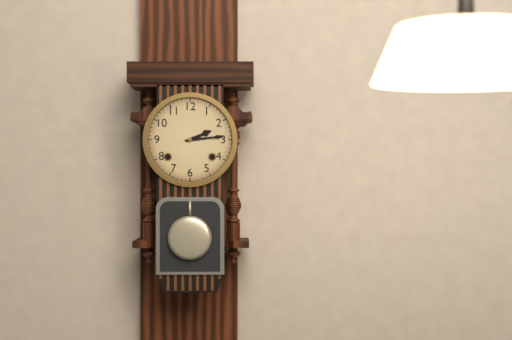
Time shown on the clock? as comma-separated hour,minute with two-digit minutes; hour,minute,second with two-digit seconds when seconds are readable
2,14
